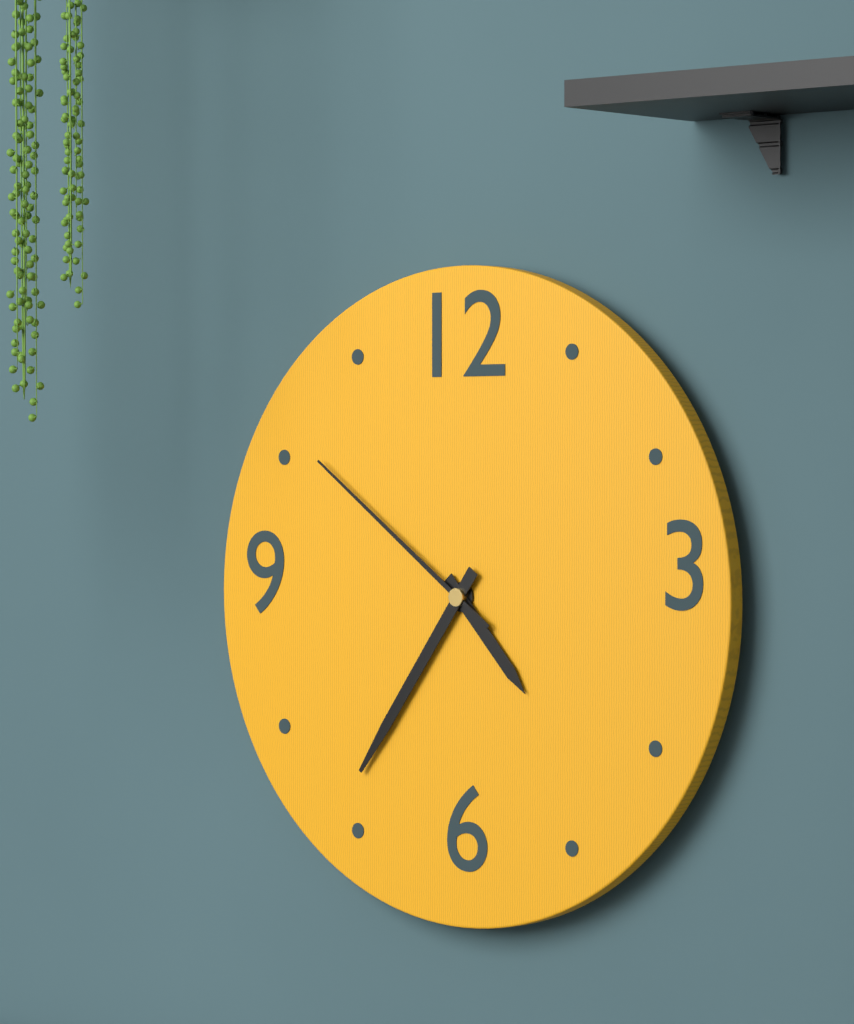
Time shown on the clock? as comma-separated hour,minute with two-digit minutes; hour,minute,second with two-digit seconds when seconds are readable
4,36,51
